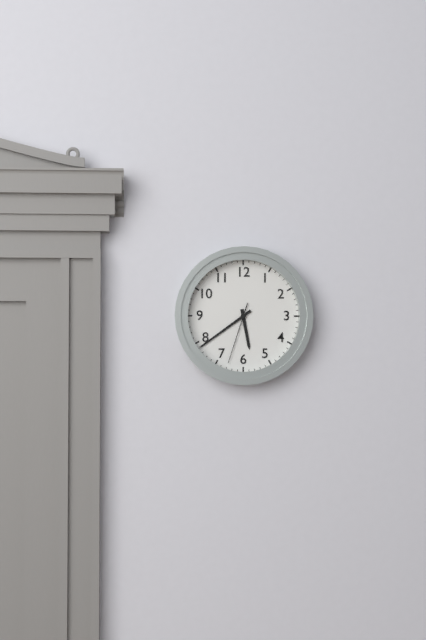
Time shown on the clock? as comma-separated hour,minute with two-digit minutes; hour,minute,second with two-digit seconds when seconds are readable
5,39,33
